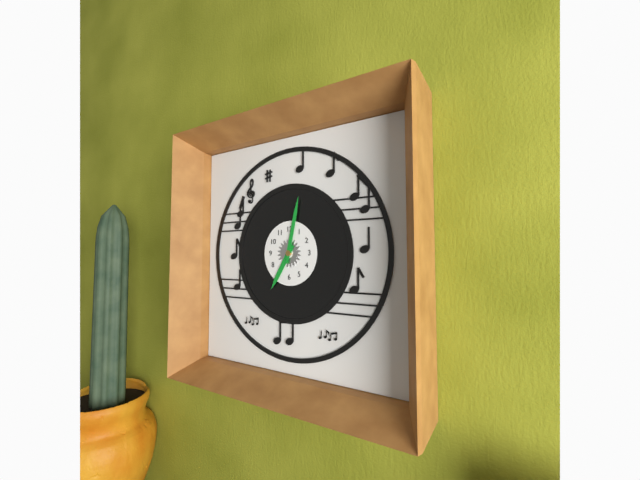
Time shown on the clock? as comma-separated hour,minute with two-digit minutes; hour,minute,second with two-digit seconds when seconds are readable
7,02
